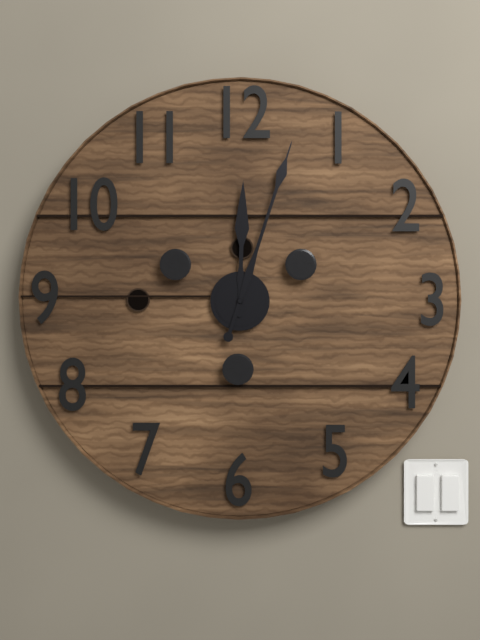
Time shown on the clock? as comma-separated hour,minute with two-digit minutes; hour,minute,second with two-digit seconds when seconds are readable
12,03
